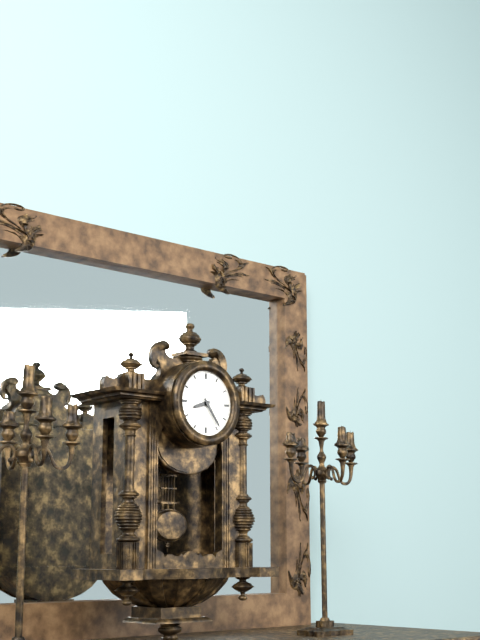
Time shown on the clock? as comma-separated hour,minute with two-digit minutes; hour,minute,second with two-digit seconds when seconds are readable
8,24
